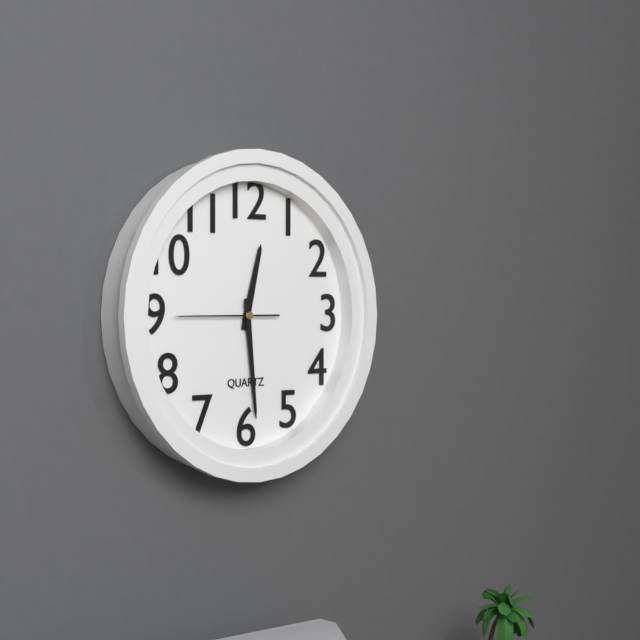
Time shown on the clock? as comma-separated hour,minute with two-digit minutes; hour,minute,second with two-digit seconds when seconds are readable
12,29,45
